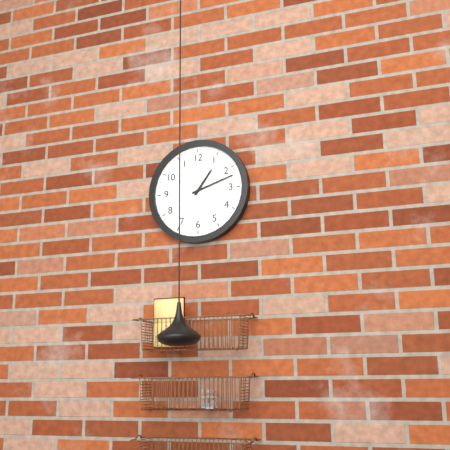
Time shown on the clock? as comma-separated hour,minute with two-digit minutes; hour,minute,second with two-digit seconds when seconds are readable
1,12
